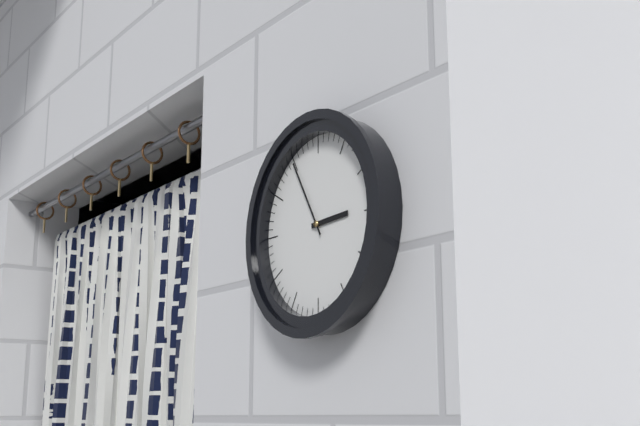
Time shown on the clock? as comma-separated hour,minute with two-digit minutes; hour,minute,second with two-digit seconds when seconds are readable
2,55
